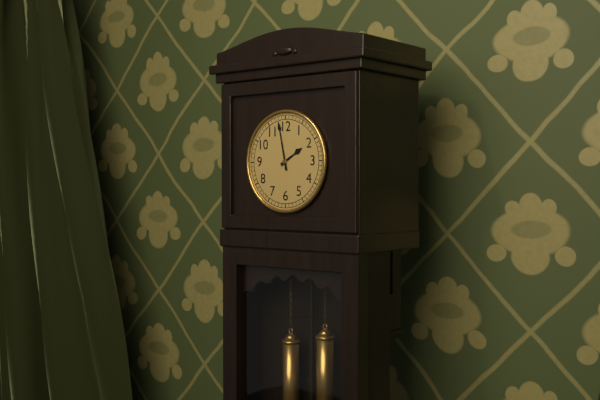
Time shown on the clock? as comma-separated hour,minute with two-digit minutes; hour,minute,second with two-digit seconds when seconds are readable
1,58
